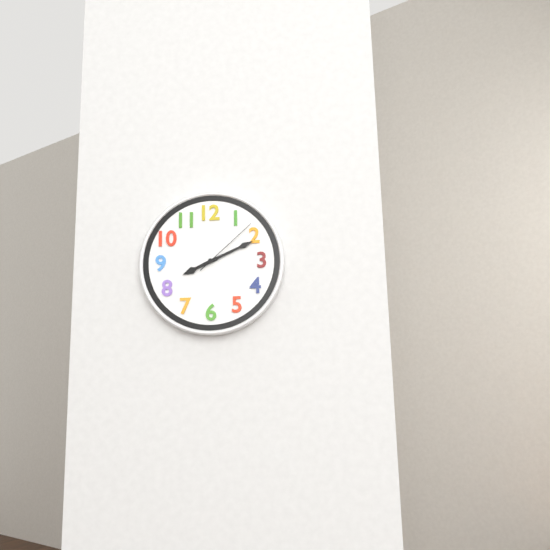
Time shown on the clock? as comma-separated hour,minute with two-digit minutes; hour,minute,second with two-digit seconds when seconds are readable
8,11,08
